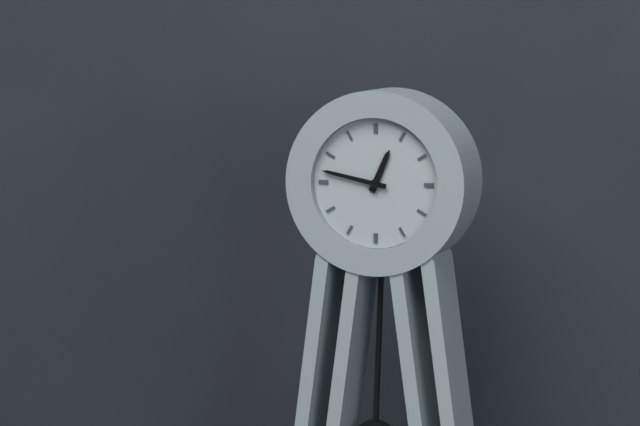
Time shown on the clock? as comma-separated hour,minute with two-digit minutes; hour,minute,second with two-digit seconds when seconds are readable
12,47
